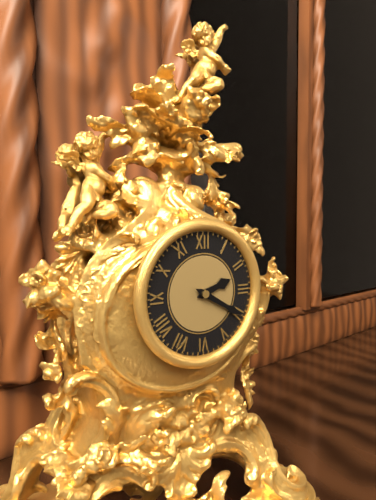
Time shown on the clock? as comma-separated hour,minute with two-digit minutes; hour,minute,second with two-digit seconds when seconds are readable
2,20
